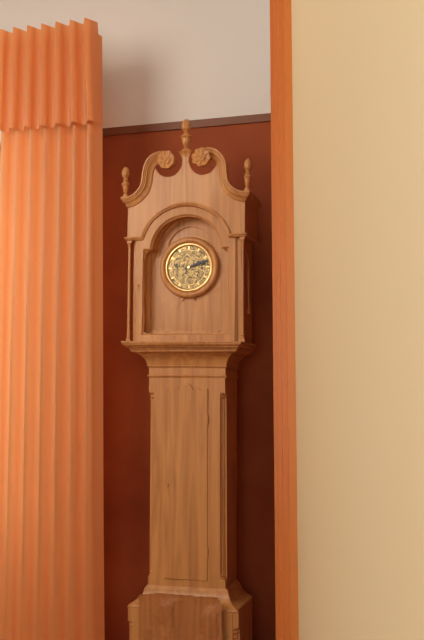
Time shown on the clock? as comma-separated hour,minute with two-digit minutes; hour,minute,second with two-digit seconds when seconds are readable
2,12
